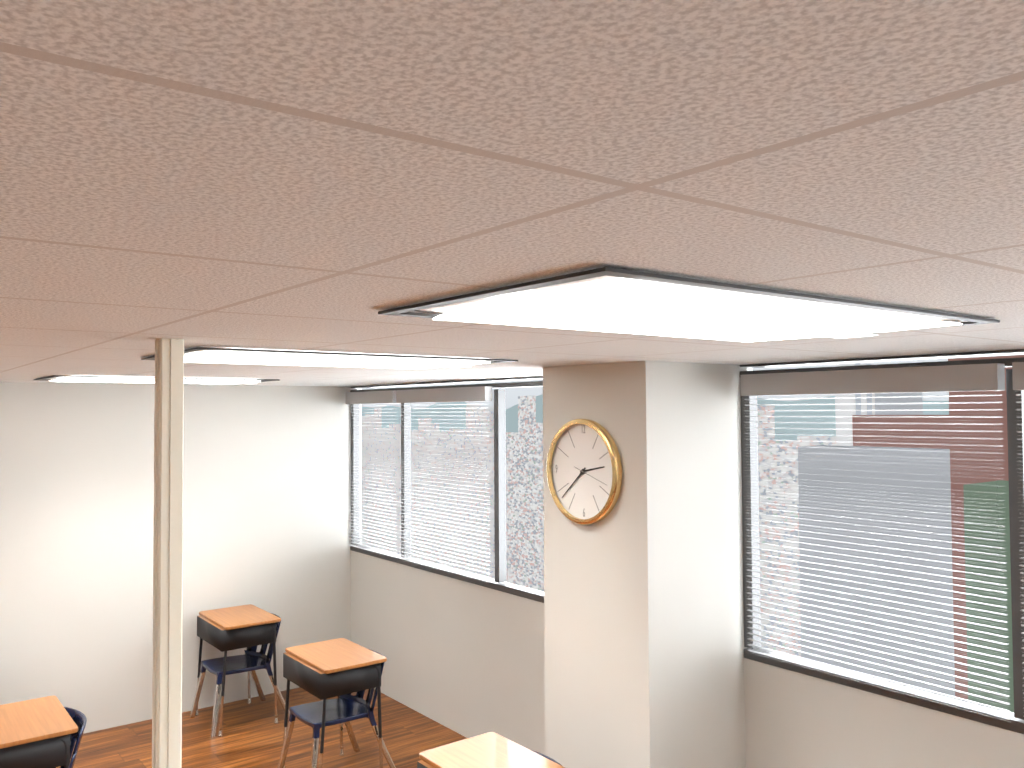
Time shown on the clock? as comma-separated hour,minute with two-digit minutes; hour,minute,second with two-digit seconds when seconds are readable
2,38
